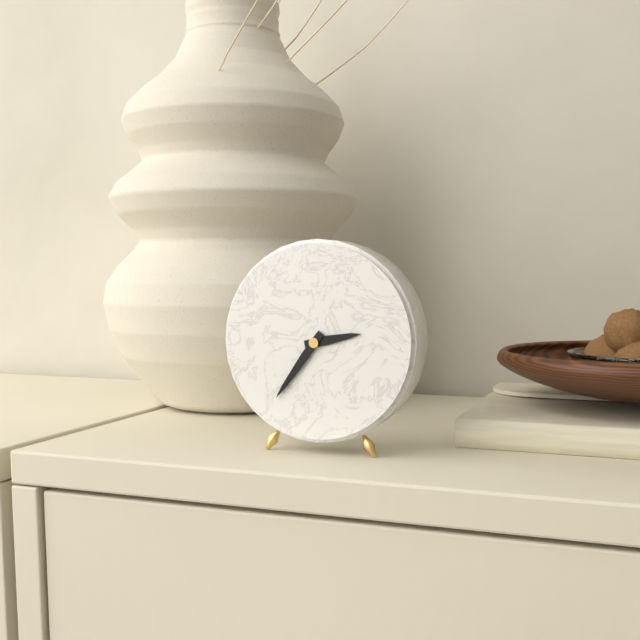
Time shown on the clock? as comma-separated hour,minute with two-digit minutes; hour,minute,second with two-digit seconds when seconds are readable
2,36
